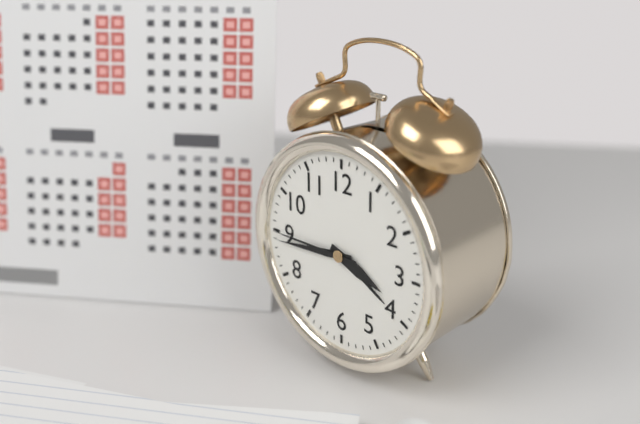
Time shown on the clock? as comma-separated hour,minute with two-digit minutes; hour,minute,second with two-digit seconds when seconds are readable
3,44,45
